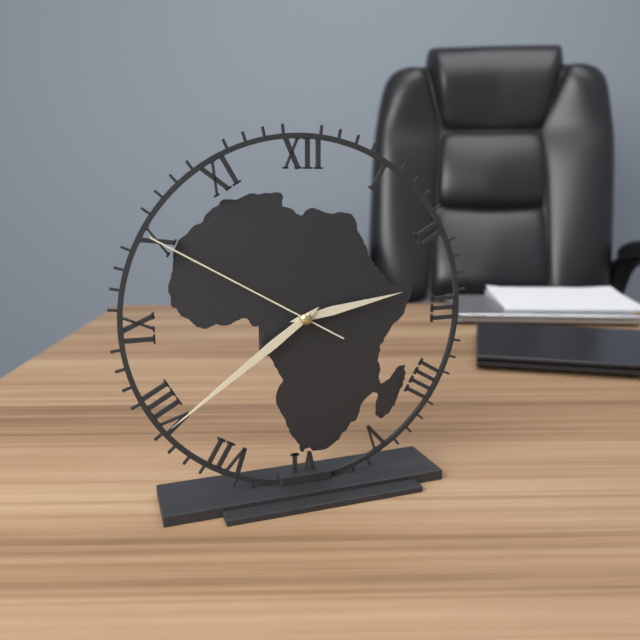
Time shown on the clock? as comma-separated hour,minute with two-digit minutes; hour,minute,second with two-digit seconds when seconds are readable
2,39,50
